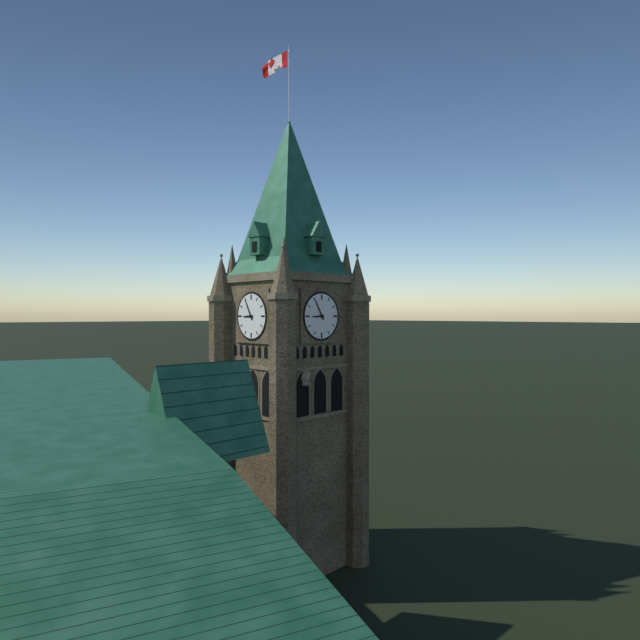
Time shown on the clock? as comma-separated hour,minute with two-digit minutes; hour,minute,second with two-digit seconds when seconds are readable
8,55
